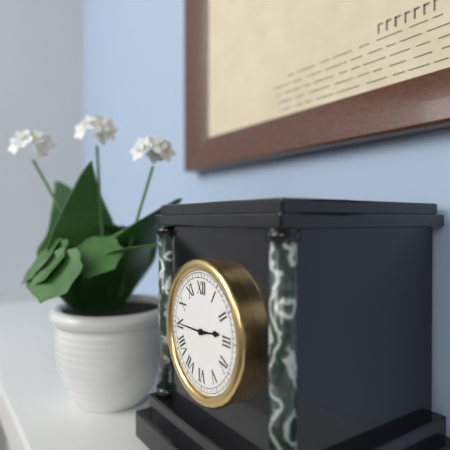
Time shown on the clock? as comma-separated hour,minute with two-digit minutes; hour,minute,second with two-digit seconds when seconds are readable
2,45
